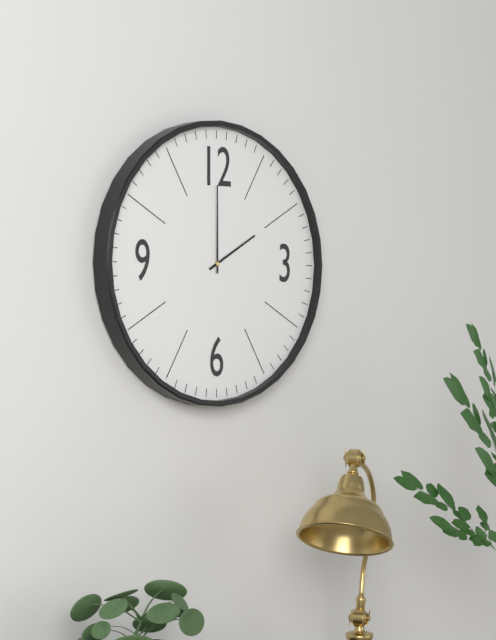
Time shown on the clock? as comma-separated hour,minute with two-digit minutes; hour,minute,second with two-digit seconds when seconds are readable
2,00
